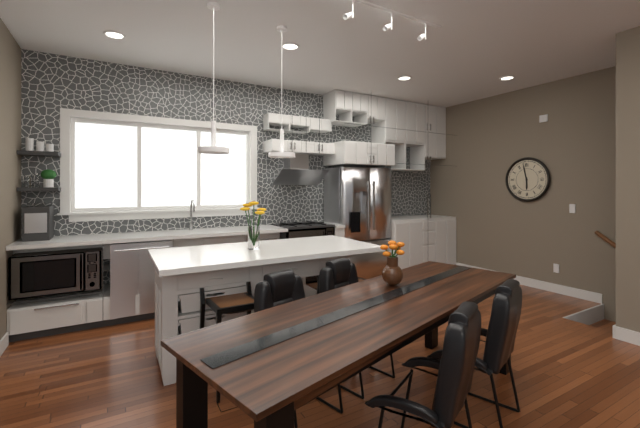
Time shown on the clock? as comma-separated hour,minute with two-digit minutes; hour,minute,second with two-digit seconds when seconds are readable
5,58
